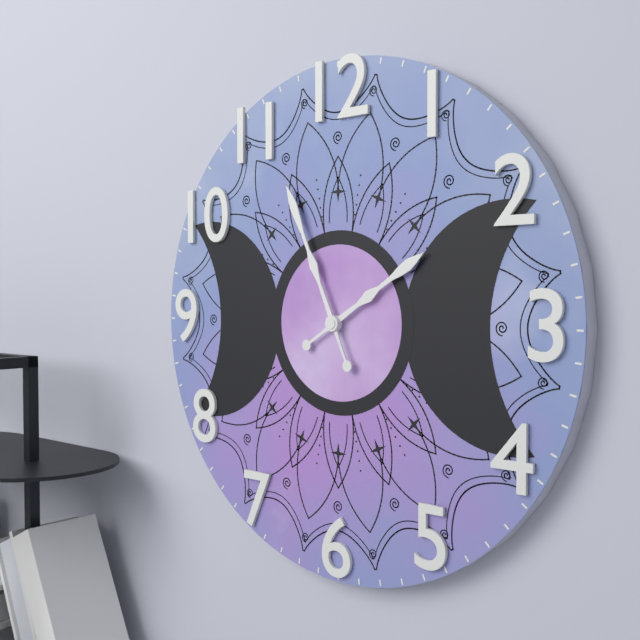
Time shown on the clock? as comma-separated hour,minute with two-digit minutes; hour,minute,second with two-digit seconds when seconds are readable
1,56
